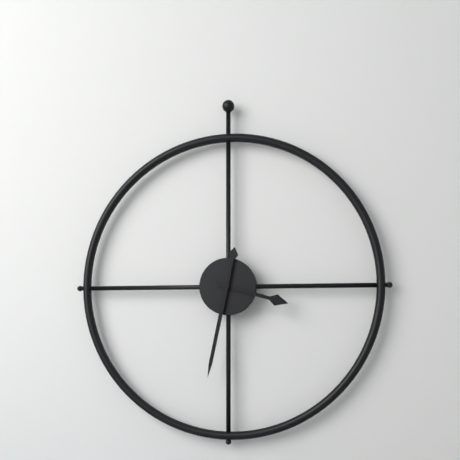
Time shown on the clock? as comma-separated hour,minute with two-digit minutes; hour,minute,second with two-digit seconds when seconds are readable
3,32
